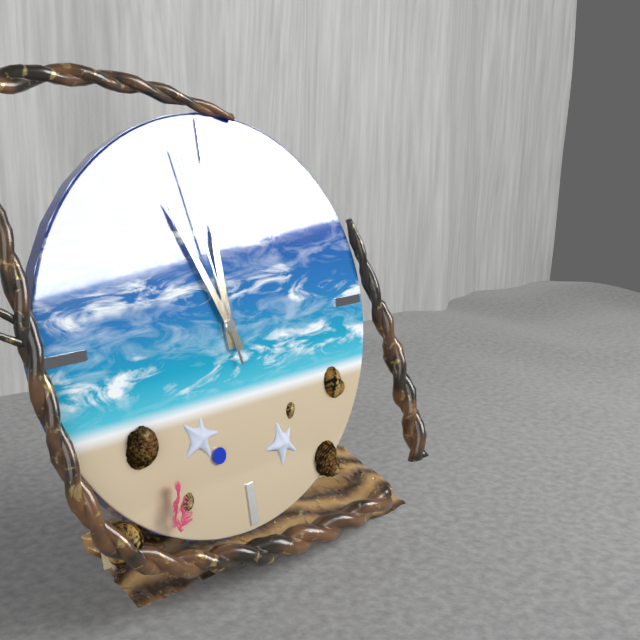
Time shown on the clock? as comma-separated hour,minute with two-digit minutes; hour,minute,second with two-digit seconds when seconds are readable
11,56,58
